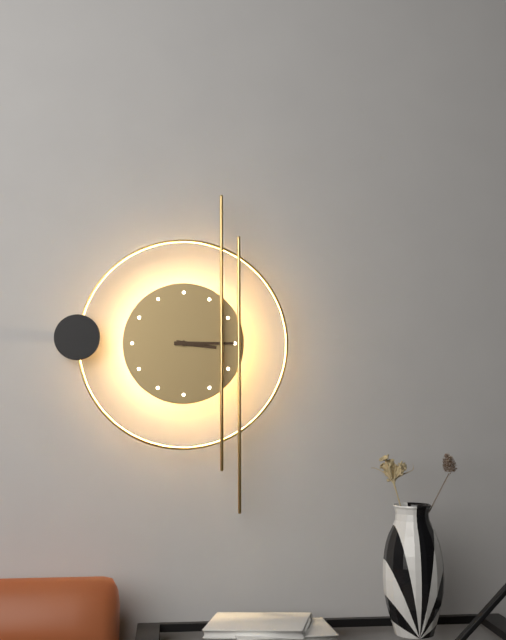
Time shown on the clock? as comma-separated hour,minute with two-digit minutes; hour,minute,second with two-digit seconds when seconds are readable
3,15
